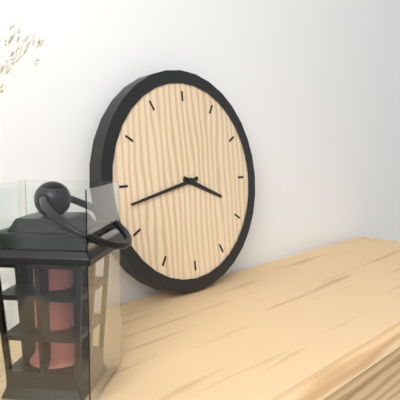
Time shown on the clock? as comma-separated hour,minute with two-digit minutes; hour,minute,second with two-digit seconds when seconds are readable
3,43
